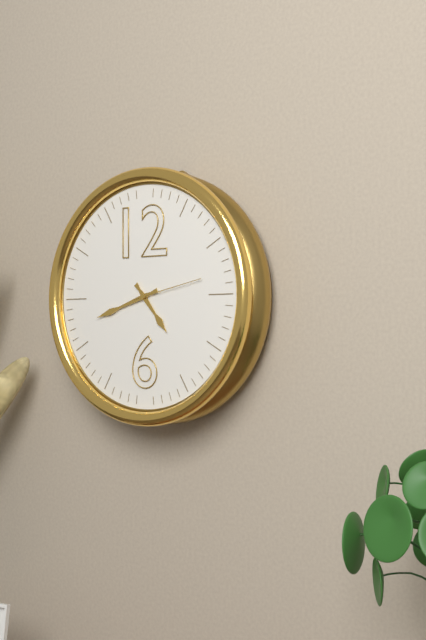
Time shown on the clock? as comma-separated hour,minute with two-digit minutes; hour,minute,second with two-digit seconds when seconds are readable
4,42,13
